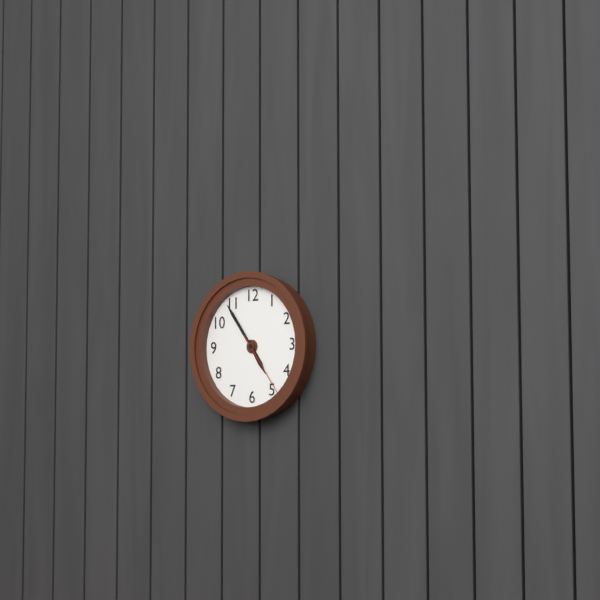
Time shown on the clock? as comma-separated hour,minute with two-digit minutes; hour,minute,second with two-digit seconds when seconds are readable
4,54,24
